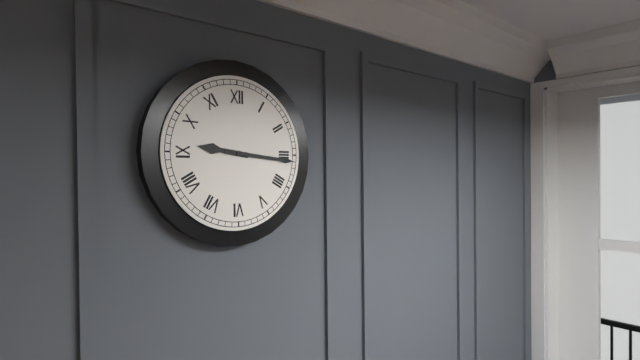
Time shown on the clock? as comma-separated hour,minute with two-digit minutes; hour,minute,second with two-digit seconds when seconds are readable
9,16
